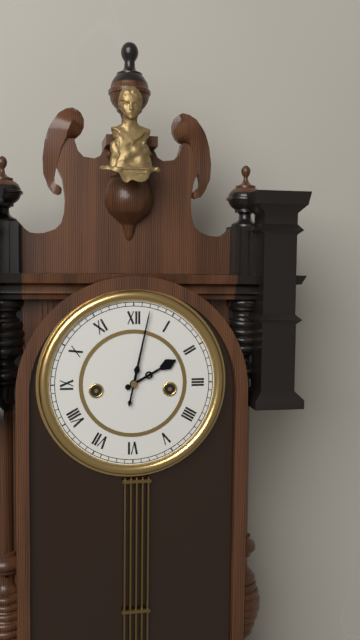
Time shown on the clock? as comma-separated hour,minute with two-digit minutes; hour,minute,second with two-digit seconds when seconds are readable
2,02
